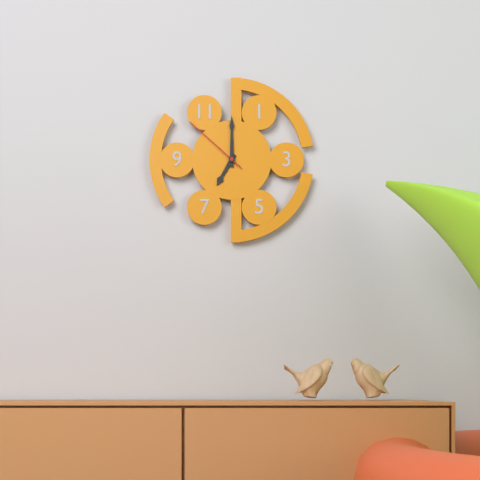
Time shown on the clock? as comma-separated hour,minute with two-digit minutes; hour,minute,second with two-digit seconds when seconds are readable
7,00,52
